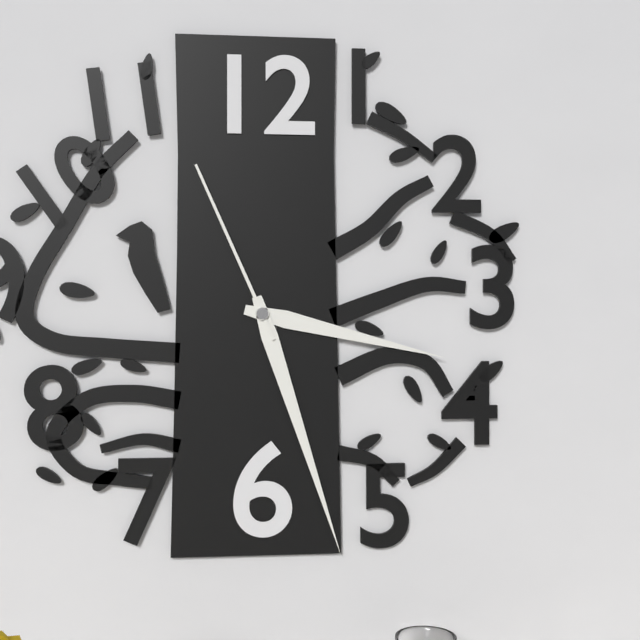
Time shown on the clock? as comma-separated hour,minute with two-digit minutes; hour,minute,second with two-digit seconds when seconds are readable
3,27,56
